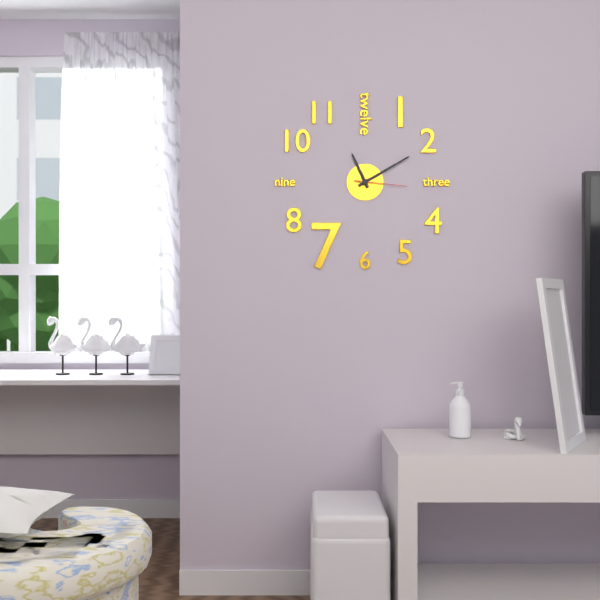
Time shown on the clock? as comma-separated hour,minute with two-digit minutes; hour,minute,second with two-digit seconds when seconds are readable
11,10,16
